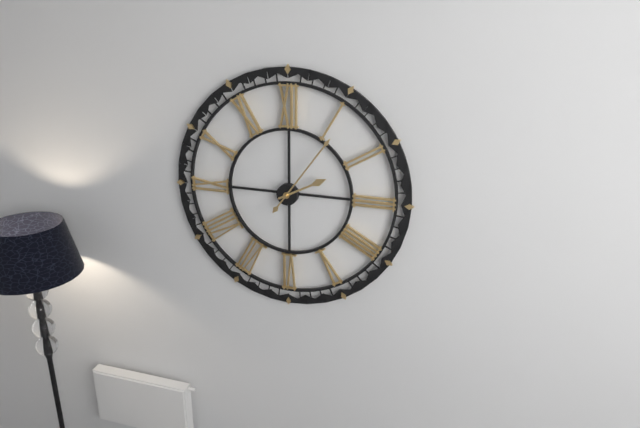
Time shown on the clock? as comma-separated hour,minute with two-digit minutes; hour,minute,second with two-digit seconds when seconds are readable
2,06
